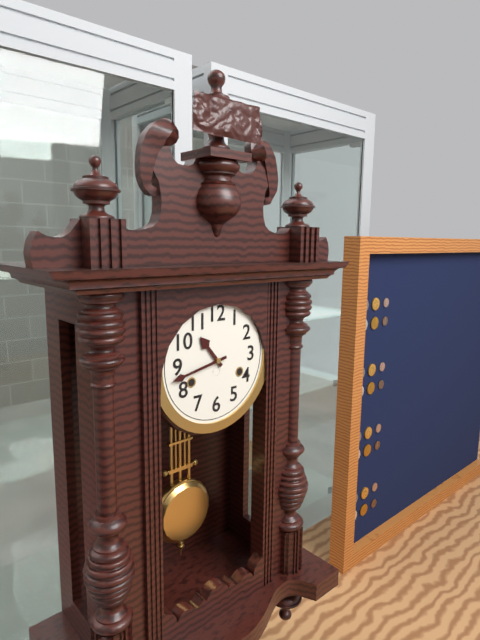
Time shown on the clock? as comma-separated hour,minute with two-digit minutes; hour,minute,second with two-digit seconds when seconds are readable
10,43
